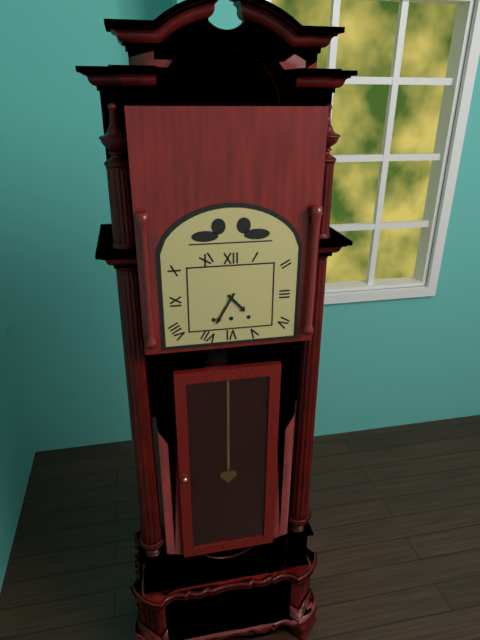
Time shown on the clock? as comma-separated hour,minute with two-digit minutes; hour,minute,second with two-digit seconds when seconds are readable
4,35
